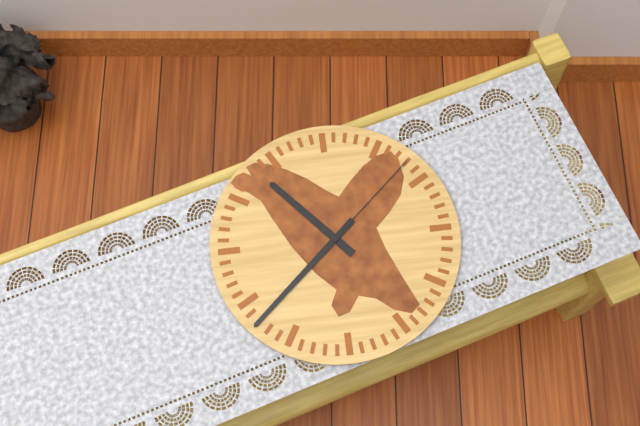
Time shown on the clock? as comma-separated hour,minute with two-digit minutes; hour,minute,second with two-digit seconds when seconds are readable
10,38,08
